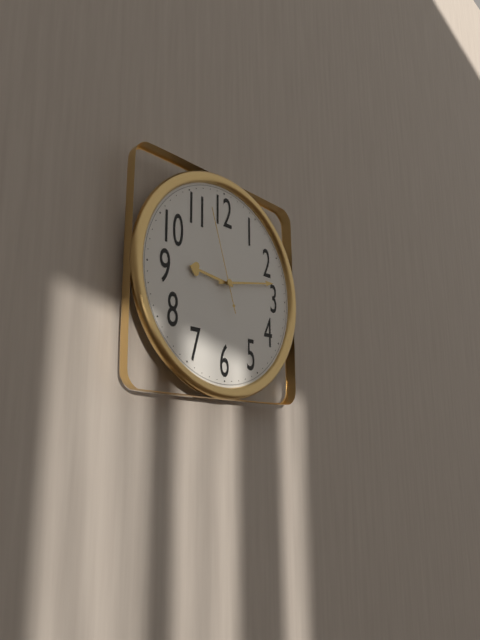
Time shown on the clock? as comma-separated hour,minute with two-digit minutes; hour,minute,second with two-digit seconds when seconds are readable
9,13,57
